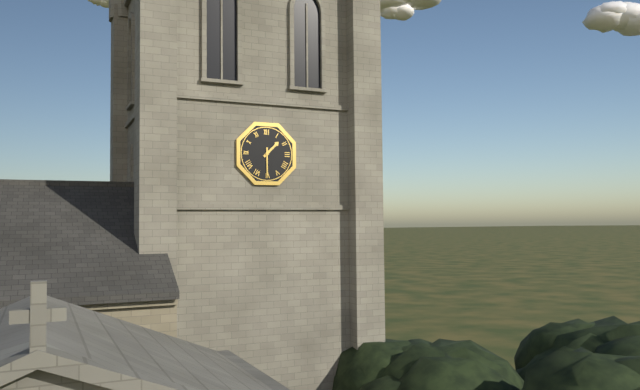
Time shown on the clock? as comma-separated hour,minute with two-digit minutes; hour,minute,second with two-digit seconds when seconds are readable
1,30
